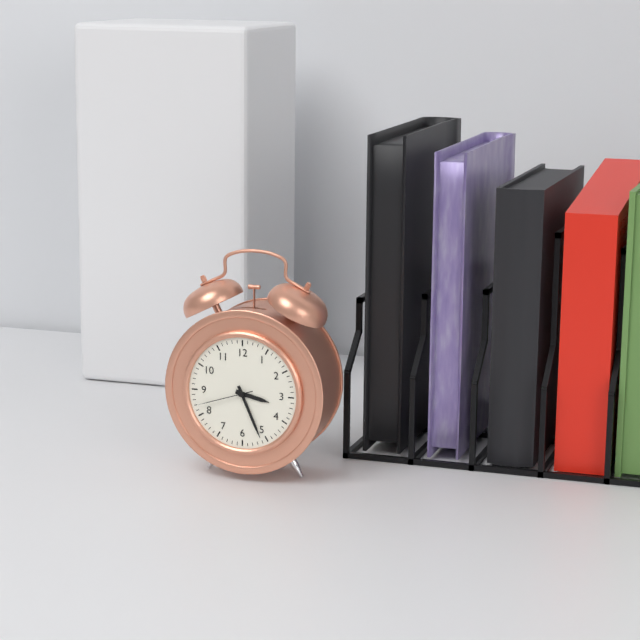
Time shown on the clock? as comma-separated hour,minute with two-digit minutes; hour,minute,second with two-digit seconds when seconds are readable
3,26,42
